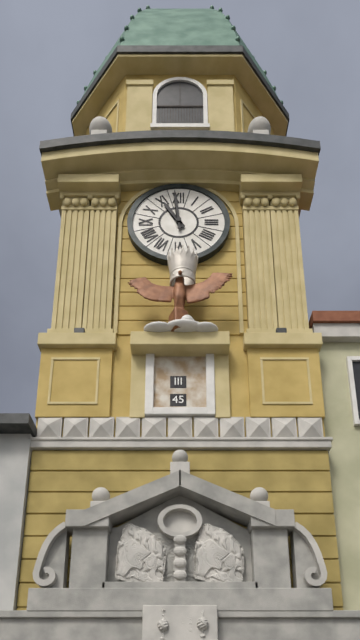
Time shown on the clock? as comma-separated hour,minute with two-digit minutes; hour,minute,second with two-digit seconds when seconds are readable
10,59
